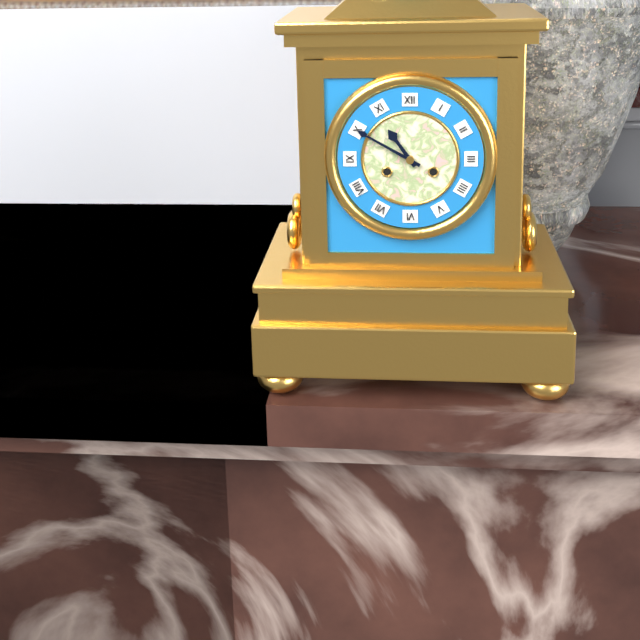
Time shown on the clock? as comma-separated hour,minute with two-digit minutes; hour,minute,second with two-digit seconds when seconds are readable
10,50
